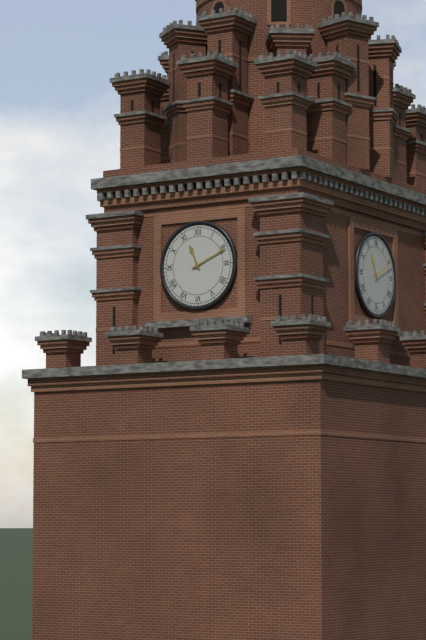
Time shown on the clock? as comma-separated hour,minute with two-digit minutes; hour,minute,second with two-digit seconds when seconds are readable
11,11
